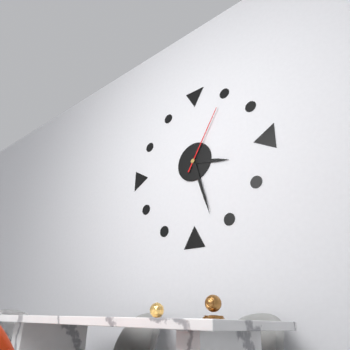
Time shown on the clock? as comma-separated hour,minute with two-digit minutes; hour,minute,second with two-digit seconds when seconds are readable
3,27,05
